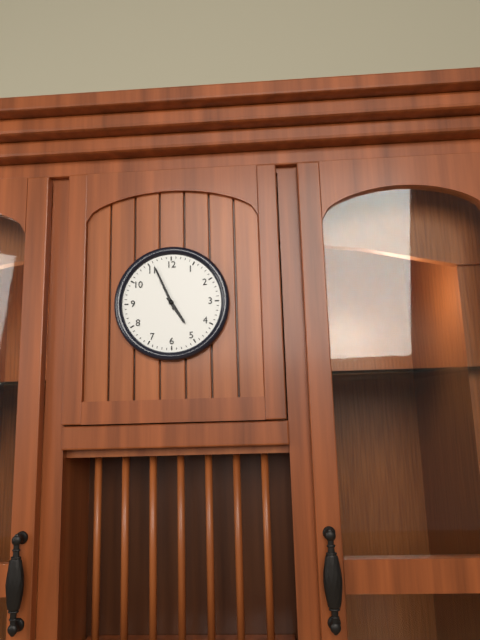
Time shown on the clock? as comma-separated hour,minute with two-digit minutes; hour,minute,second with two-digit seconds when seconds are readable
4,56
